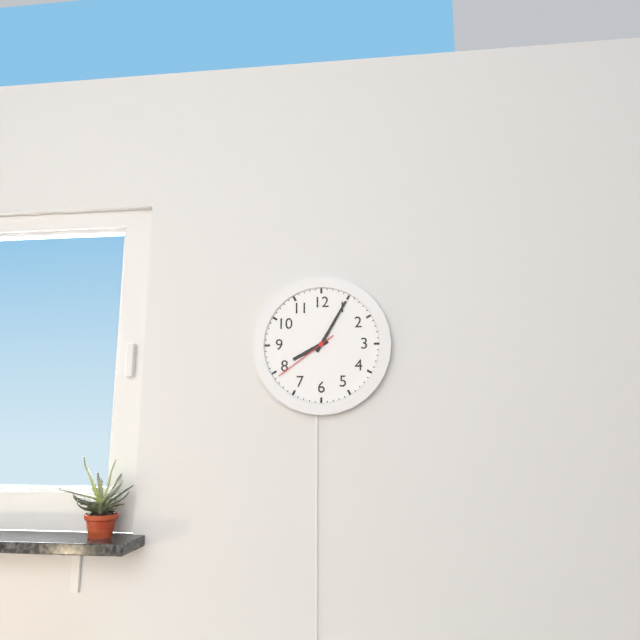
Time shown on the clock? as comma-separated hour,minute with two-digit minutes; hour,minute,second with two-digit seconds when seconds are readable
8,05,39
